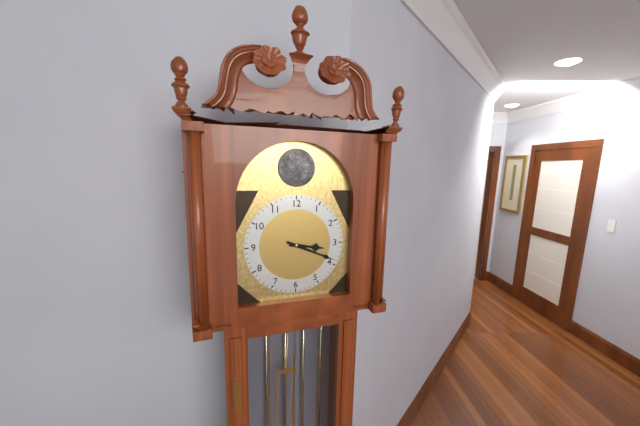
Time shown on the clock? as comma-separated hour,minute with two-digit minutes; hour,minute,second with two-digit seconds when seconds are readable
3,19
